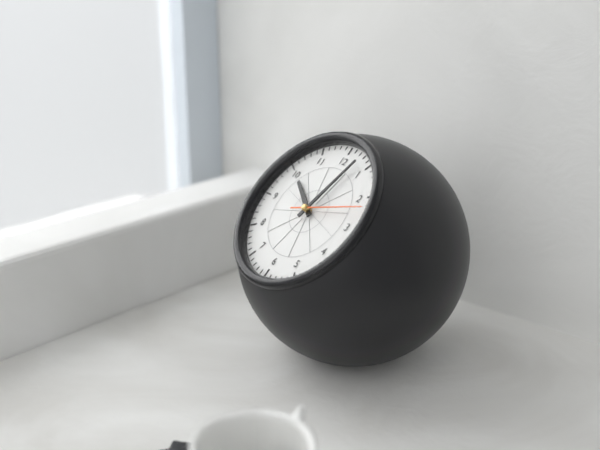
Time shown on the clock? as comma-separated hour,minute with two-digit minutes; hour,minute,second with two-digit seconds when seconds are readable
10,03,12
